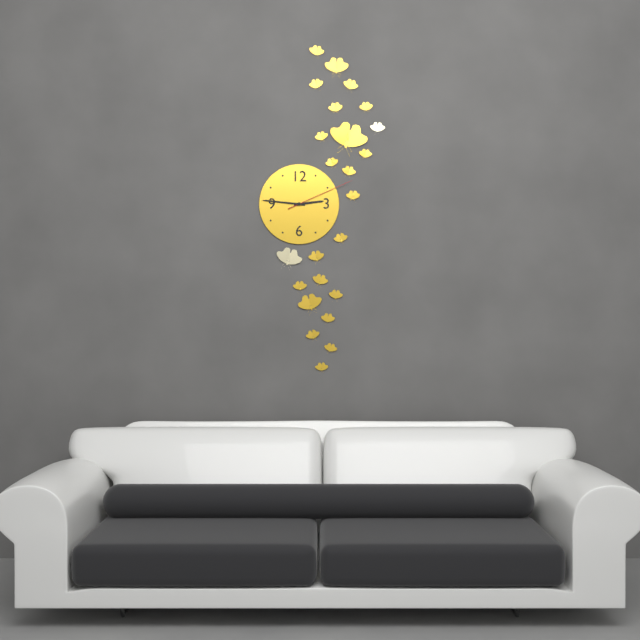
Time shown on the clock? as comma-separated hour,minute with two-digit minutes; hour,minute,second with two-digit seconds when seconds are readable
2,46,11
